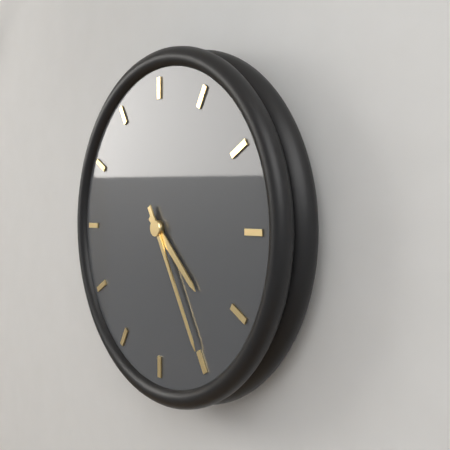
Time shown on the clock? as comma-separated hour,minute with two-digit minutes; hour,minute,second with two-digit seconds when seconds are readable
4,25
